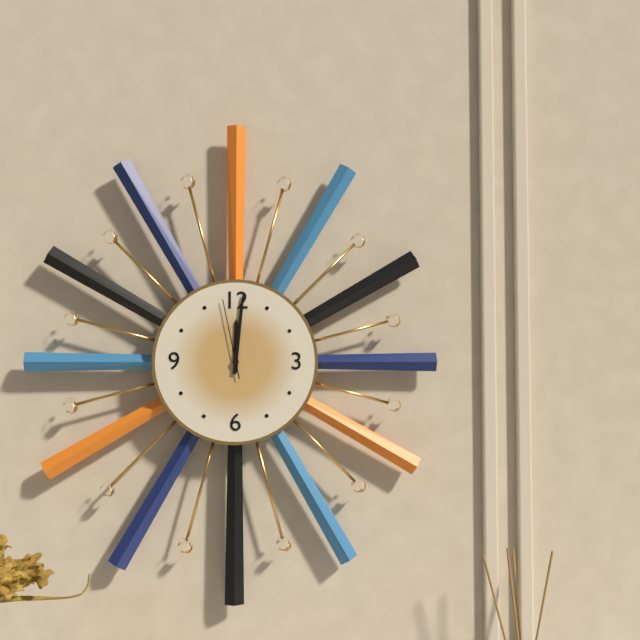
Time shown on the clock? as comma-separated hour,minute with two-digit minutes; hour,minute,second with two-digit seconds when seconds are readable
12,01,58
